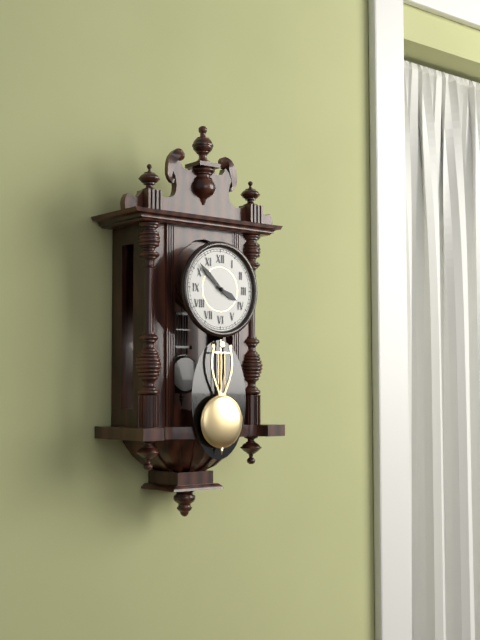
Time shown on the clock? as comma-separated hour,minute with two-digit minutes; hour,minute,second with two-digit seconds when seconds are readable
3,52
